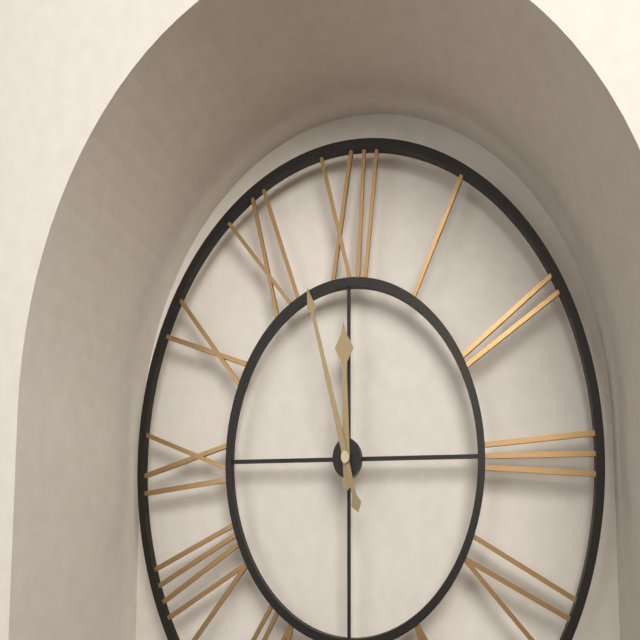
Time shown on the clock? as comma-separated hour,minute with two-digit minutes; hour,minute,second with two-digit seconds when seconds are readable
11,57
